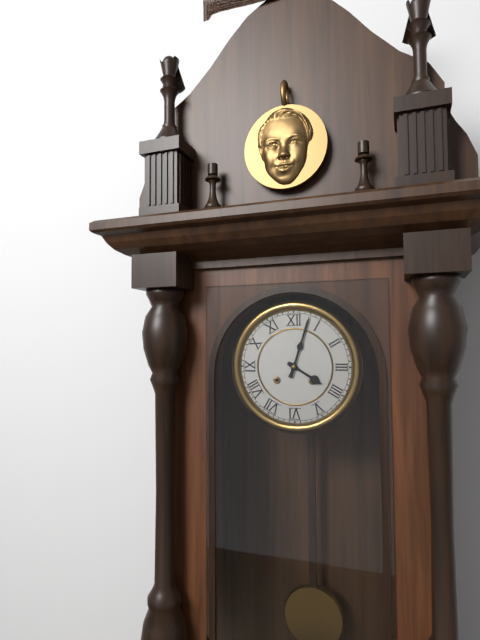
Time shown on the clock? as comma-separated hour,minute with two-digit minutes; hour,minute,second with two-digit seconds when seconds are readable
4,03
